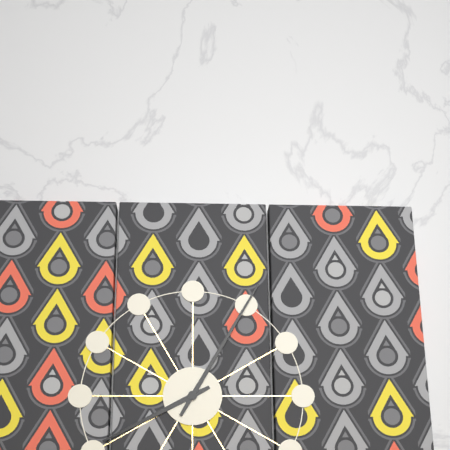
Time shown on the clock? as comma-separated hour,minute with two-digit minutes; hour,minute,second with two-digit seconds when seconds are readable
8,05
